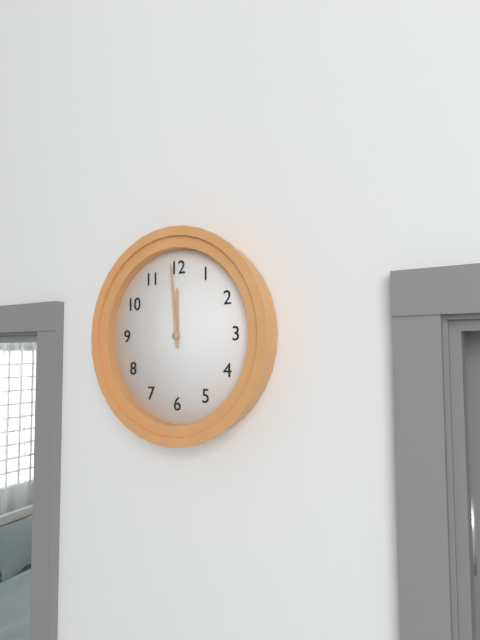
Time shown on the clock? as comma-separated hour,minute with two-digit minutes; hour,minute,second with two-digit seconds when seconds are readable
11,59
